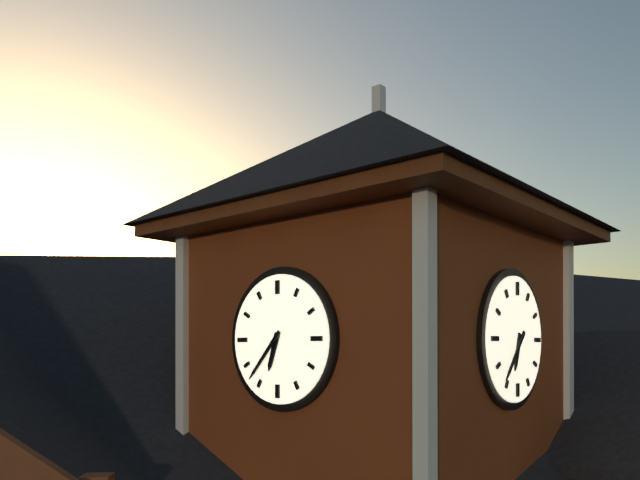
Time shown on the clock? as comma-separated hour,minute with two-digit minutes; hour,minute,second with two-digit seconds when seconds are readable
6,37
